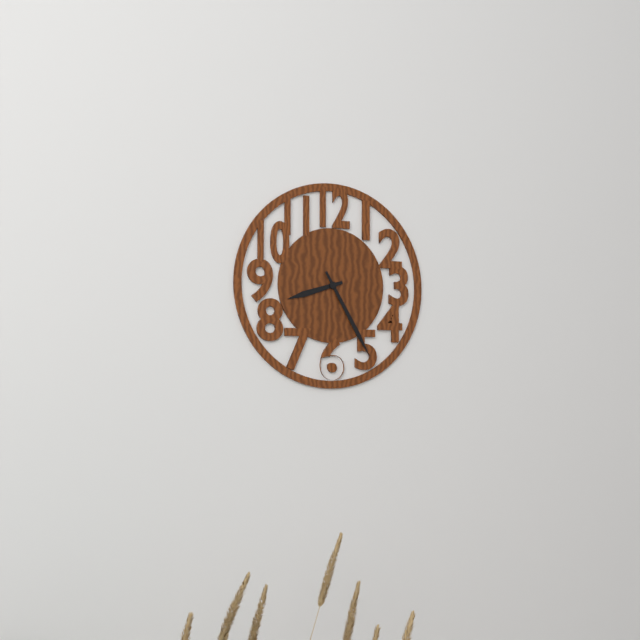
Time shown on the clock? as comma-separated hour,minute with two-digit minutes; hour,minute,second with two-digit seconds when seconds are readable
8,25
